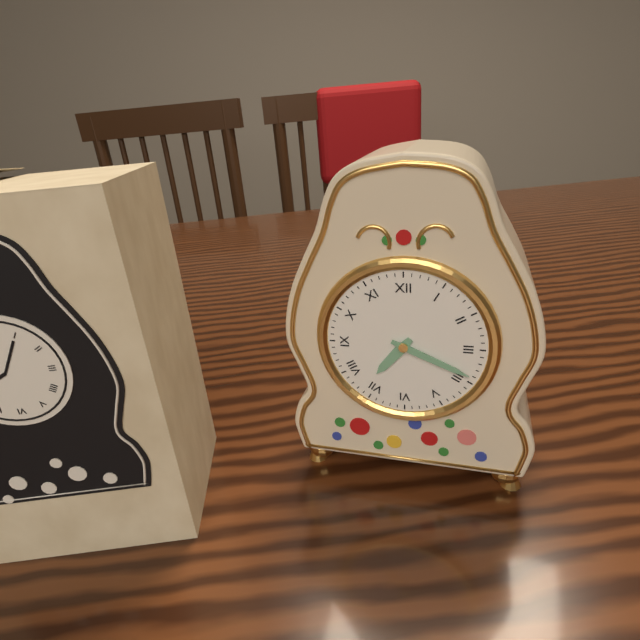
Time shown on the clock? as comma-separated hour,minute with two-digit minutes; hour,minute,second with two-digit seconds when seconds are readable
7,19
